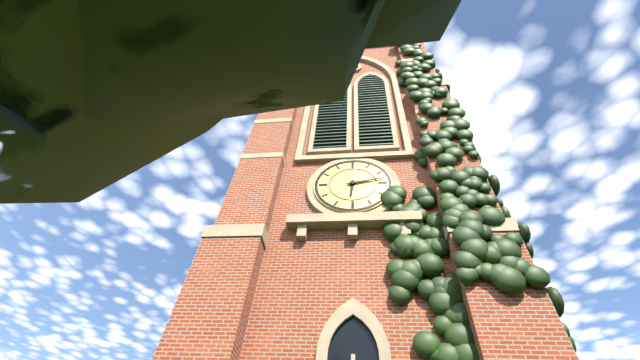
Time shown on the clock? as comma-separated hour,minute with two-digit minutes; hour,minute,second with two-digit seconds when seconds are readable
6,13
